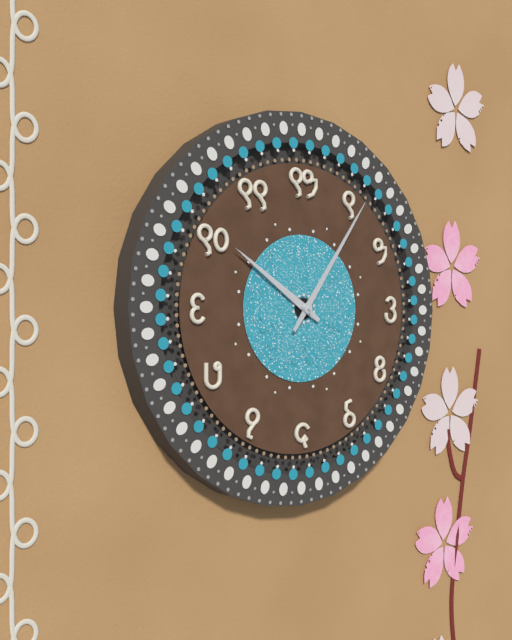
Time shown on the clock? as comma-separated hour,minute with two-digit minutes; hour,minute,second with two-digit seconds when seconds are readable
10,06
